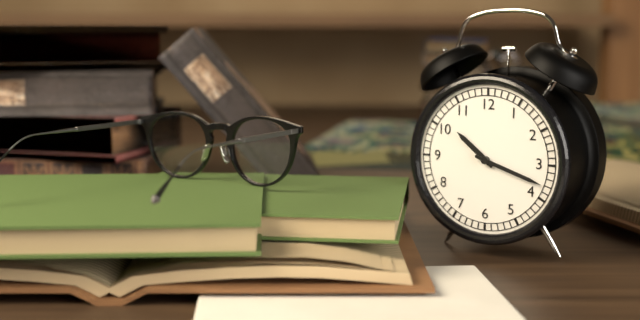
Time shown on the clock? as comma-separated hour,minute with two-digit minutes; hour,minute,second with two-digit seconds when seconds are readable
10,18
